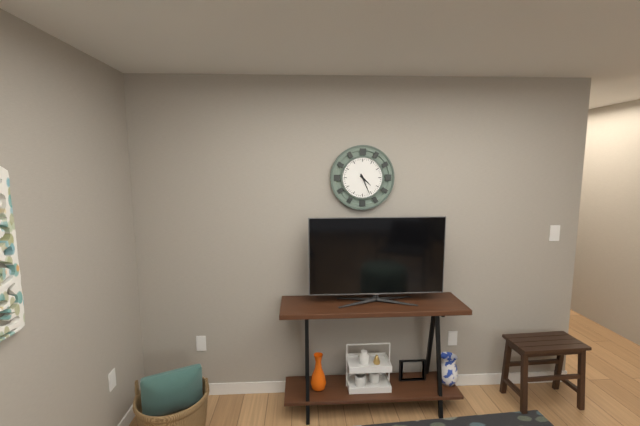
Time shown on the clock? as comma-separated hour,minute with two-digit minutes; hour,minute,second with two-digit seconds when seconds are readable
4,26
